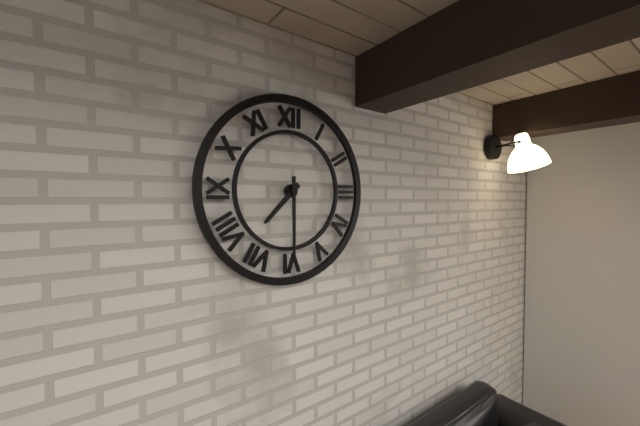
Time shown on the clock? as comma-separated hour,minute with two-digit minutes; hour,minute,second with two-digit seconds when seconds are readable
7,30
